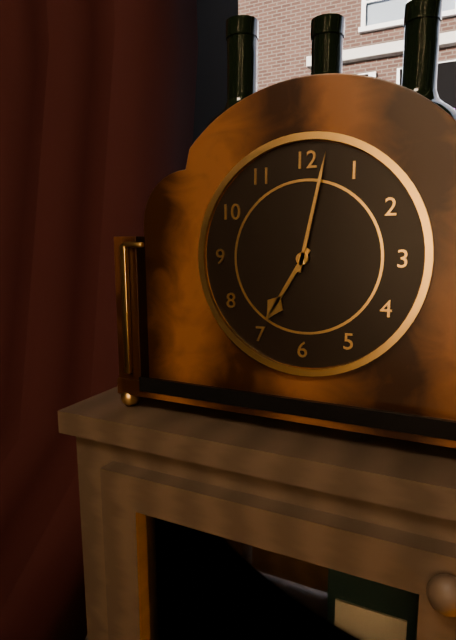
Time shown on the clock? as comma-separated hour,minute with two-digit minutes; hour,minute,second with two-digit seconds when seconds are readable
7,02
